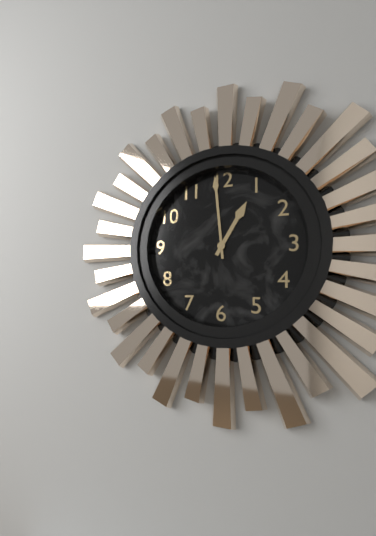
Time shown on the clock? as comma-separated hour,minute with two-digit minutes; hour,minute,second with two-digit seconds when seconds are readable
12,59
